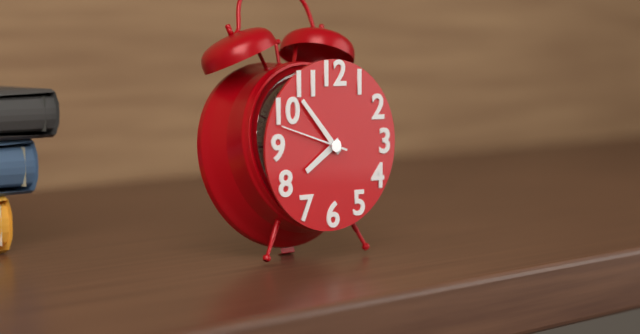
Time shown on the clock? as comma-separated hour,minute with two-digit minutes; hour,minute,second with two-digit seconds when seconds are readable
7,53,48
